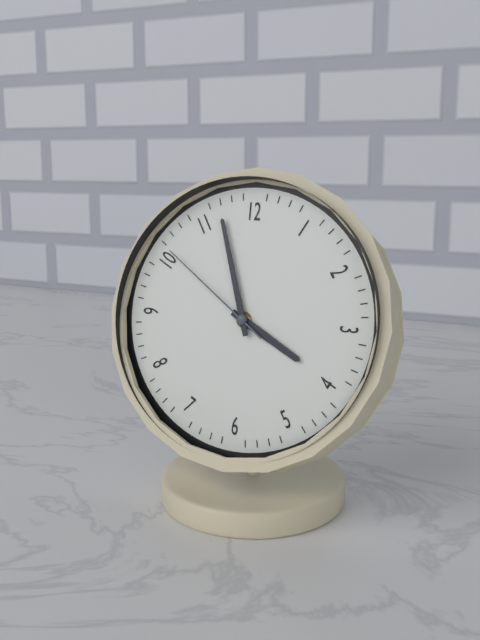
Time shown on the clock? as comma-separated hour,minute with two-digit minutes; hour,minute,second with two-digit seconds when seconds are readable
3,57,51
